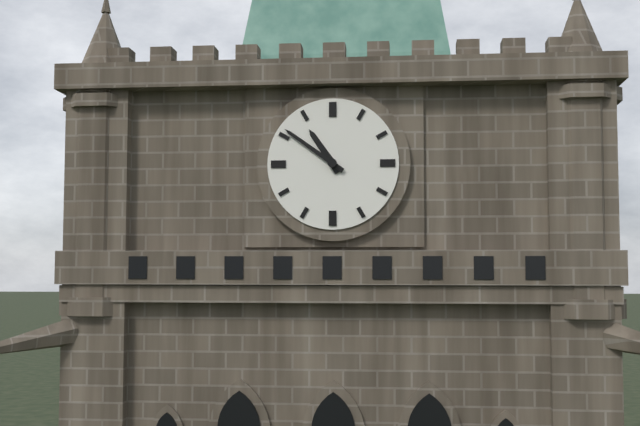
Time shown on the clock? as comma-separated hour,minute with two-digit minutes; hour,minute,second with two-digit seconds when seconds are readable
10,51
